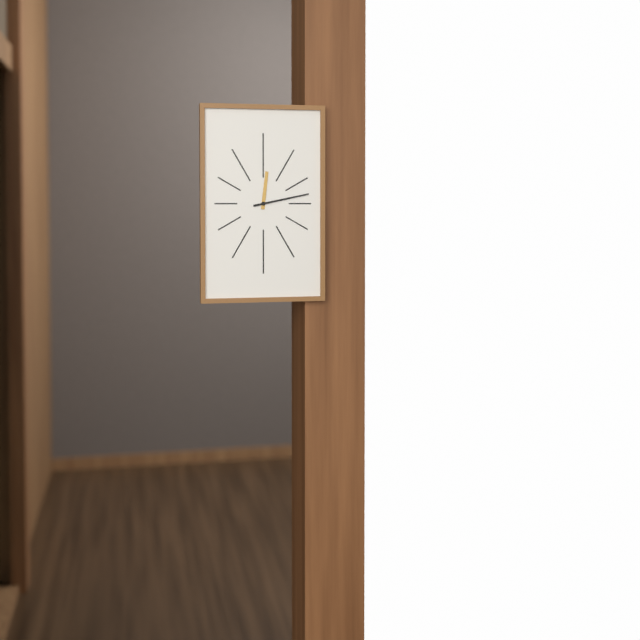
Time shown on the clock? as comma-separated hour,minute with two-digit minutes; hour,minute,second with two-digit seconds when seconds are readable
12,13
